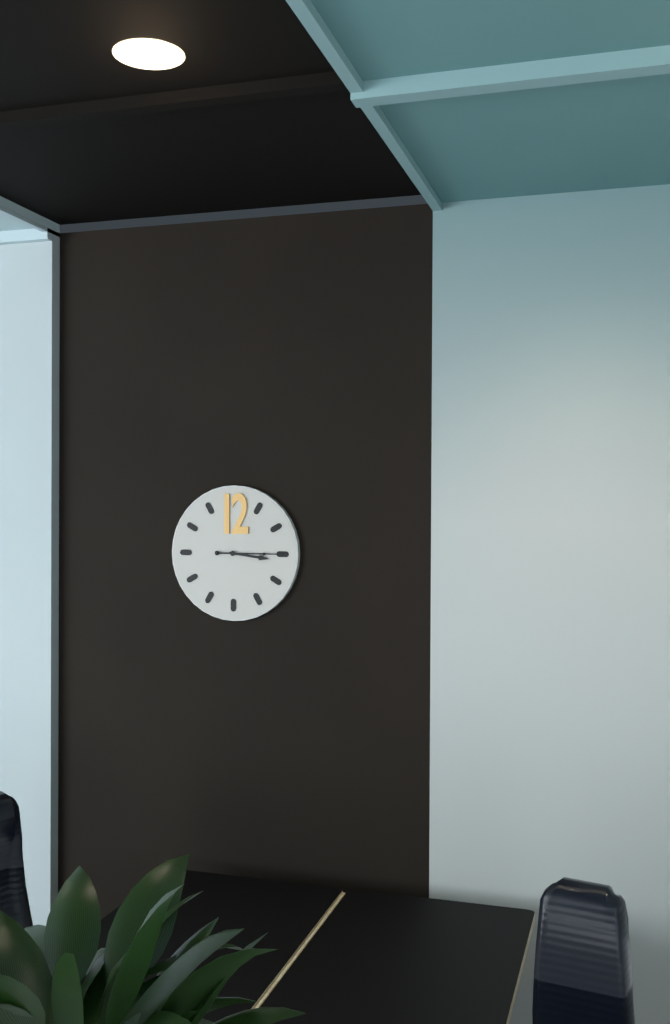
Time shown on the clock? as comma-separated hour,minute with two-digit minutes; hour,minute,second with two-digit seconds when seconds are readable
3,15
